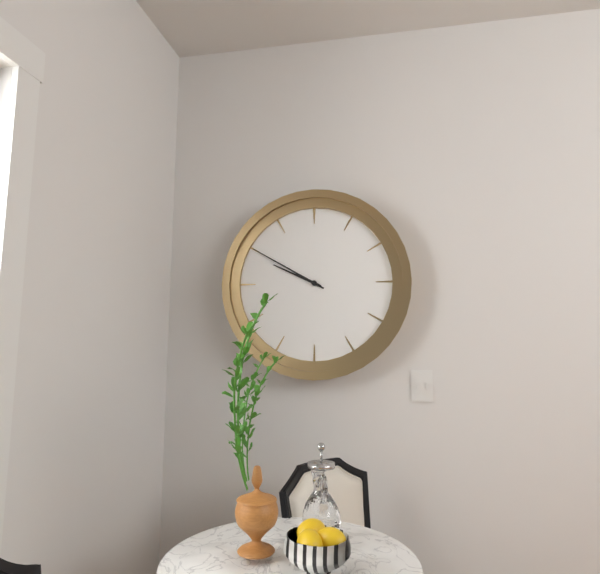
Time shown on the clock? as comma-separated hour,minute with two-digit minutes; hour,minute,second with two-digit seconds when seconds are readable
9,50
